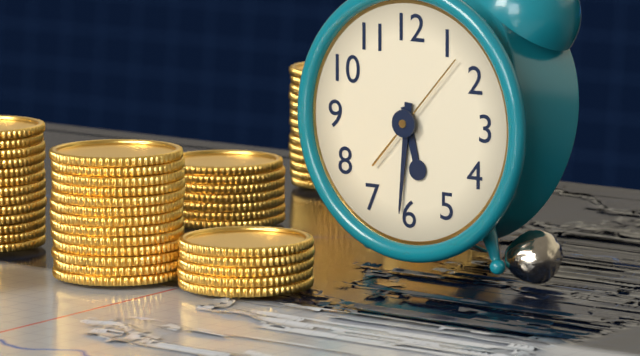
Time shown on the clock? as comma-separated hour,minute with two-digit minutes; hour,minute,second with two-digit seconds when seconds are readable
5,31,07
